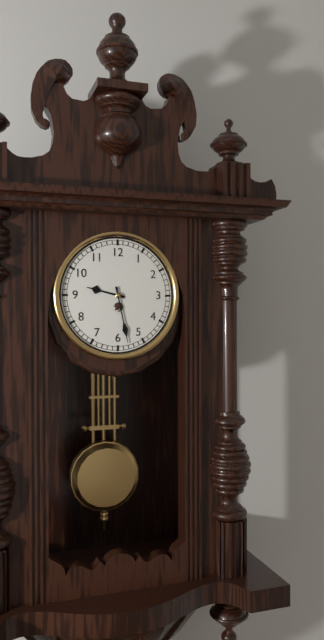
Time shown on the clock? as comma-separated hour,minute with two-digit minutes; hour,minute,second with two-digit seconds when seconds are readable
9,28
